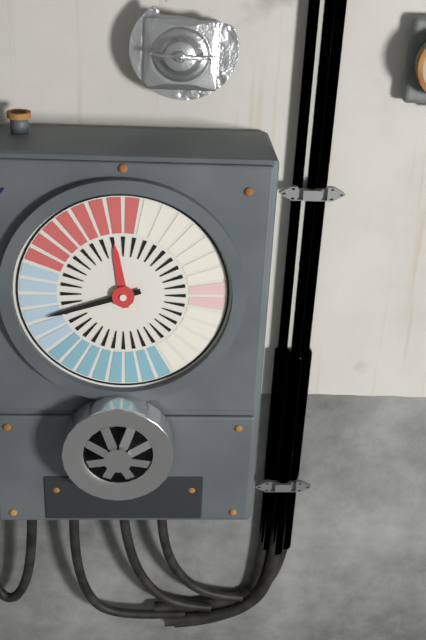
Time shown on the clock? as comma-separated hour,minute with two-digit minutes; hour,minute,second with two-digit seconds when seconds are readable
11,42
